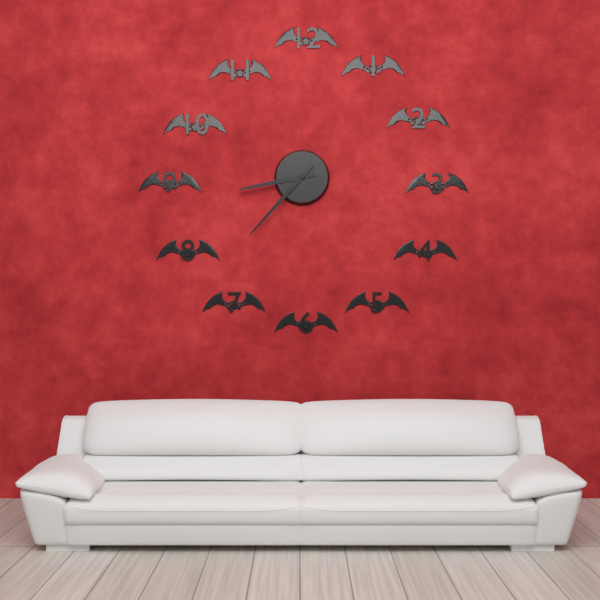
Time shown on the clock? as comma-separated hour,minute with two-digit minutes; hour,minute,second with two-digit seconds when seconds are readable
8,37
